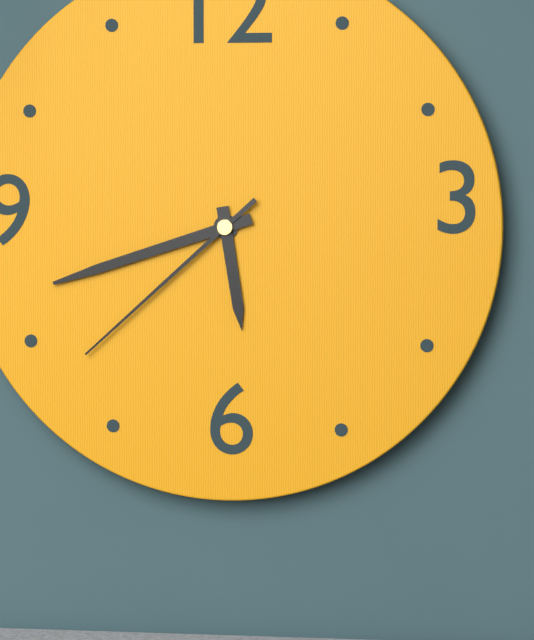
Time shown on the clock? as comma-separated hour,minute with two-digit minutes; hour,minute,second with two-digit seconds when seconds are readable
5,42,38
